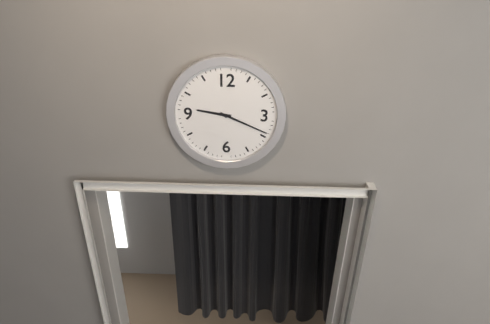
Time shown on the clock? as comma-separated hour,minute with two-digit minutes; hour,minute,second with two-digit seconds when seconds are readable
9,19
